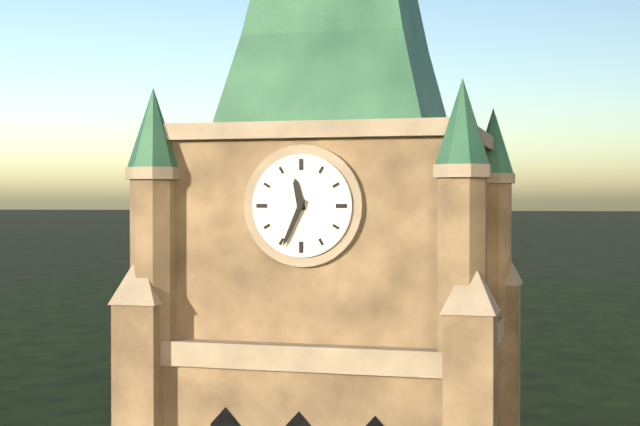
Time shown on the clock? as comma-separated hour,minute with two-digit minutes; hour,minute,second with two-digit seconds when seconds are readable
11,34
